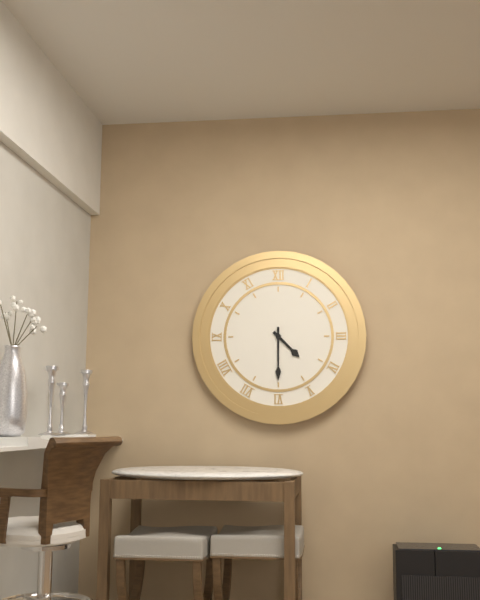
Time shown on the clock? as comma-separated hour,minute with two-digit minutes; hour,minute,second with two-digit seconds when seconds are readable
4,30
